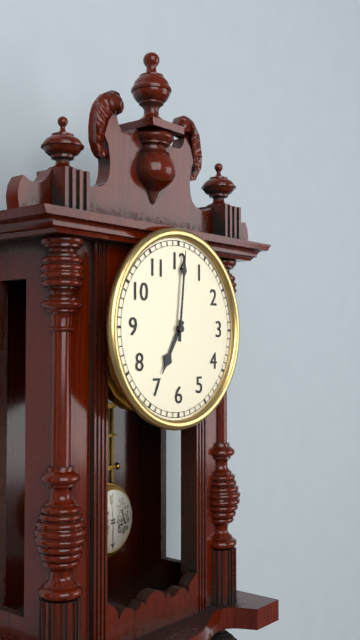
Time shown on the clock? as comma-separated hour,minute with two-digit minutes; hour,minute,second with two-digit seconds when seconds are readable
7,01
